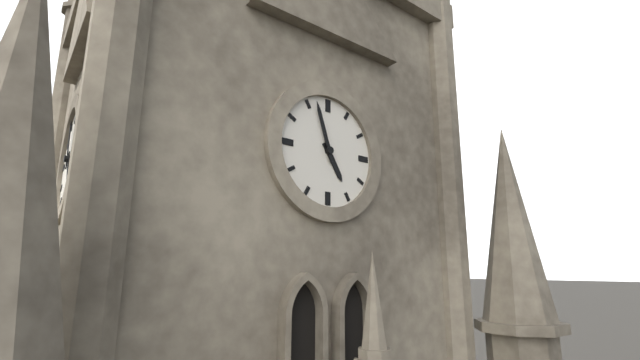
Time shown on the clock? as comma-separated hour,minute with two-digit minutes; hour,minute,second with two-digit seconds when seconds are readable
4,57
